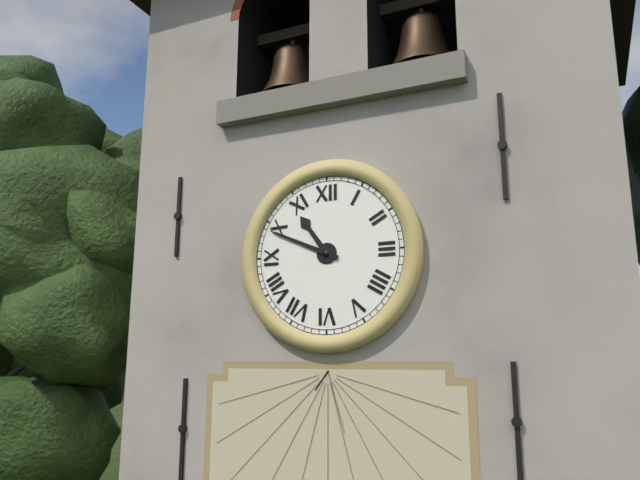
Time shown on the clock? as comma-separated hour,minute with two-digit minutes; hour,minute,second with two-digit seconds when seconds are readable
10,49
